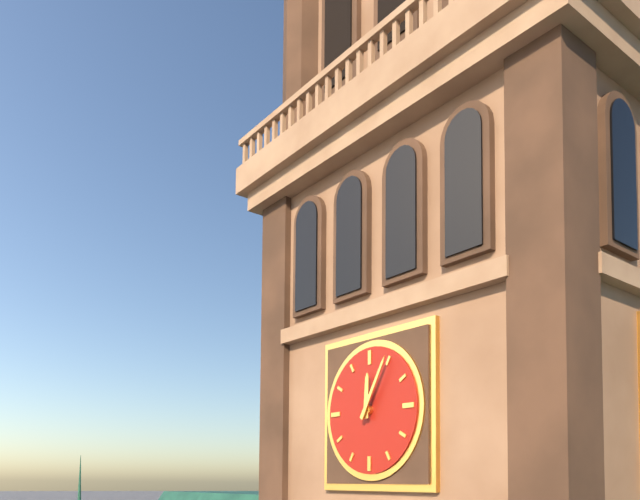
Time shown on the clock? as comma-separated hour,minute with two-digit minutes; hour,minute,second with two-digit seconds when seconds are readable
12,05
